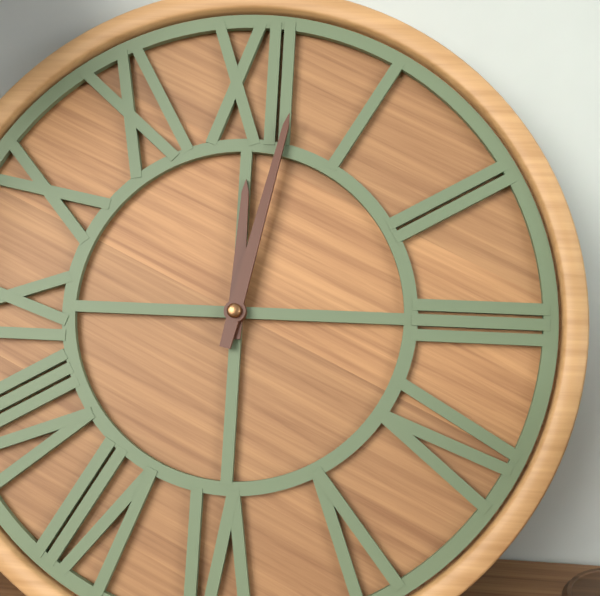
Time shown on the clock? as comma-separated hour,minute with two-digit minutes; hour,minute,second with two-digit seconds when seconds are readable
12,02
